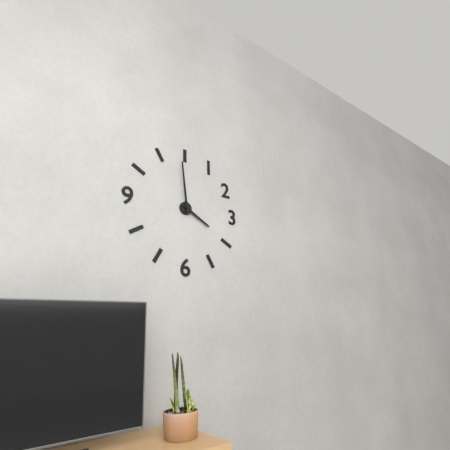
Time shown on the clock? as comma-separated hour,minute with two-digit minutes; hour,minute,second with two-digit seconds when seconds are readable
3,59
